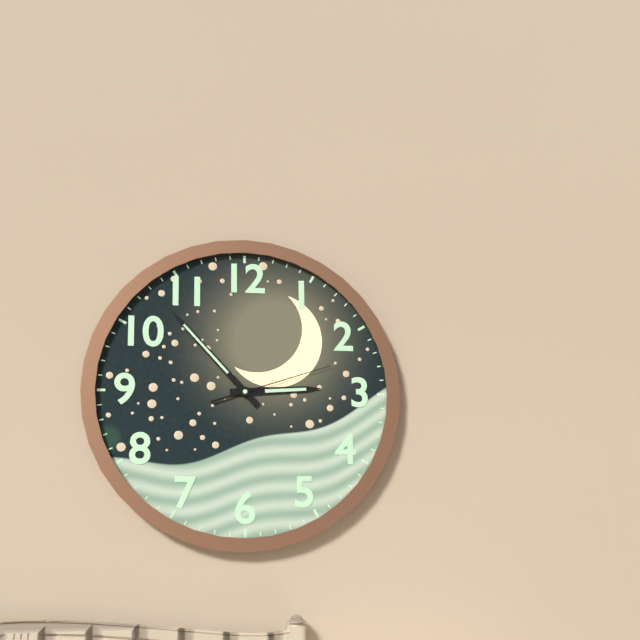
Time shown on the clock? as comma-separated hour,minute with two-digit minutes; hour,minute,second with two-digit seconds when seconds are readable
2,53,12
